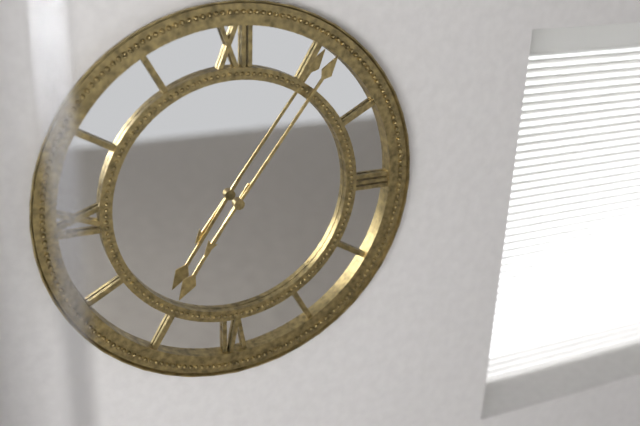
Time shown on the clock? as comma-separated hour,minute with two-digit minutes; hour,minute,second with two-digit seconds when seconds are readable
7,06
